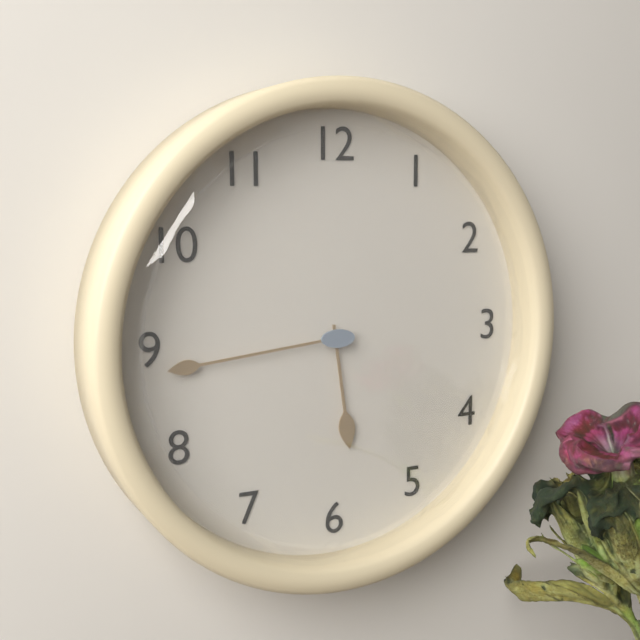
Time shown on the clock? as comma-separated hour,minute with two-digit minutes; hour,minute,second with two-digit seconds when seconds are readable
5,44
